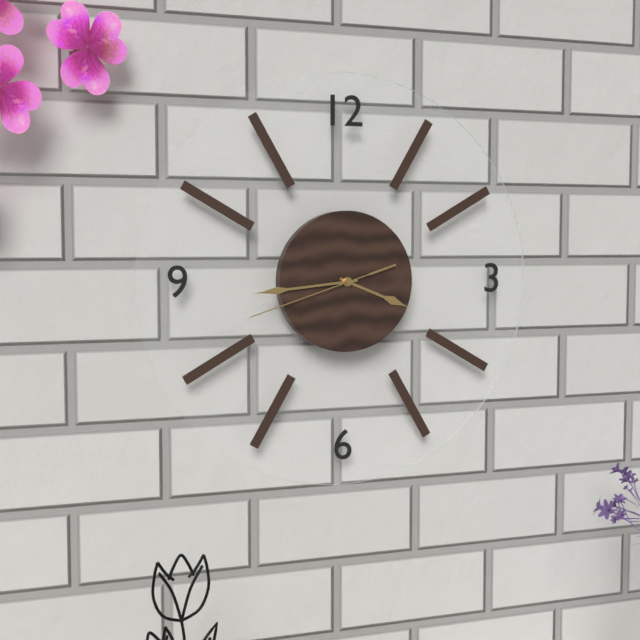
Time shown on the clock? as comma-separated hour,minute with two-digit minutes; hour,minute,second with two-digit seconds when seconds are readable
3,44,42
